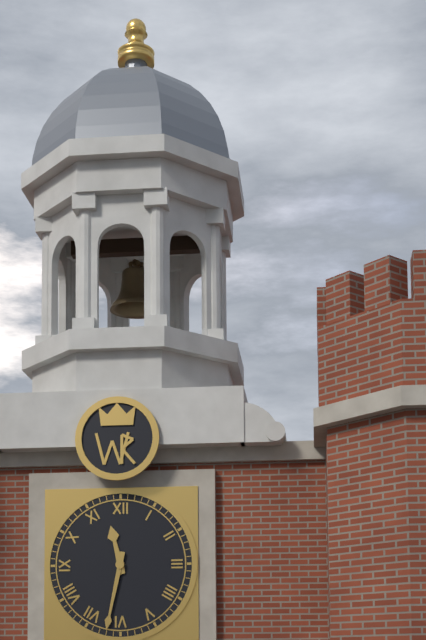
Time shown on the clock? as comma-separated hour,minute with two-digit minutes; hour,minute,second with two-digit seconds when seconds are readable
11,32
